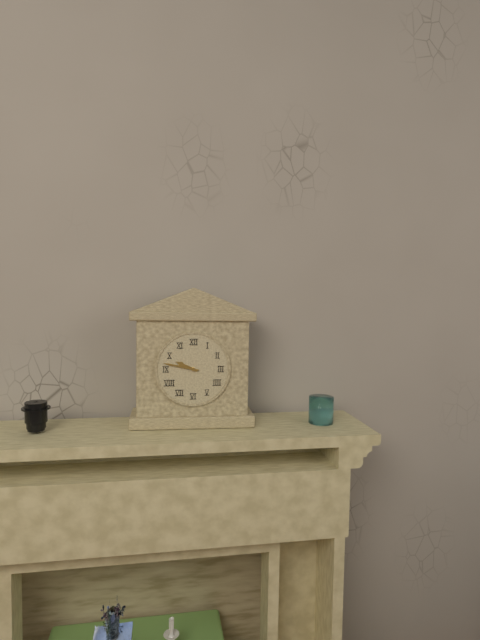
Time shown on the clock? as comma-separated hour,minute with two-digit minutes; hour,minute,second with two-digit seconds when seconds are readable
9,47
